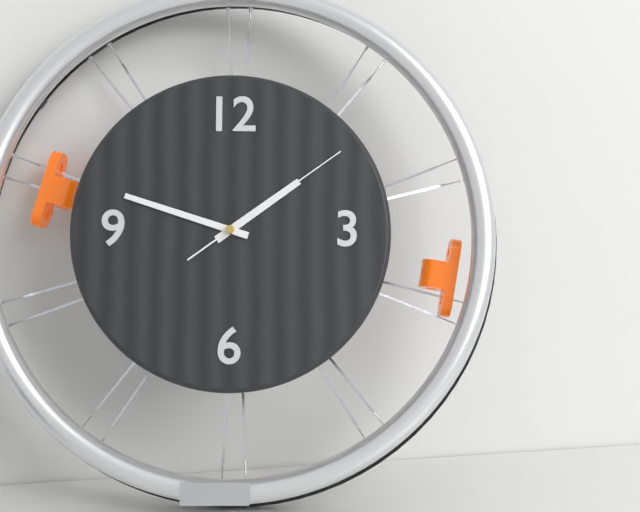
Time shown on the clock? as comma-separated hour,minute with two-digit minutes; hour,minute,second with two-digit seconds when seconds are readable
1,48,09
